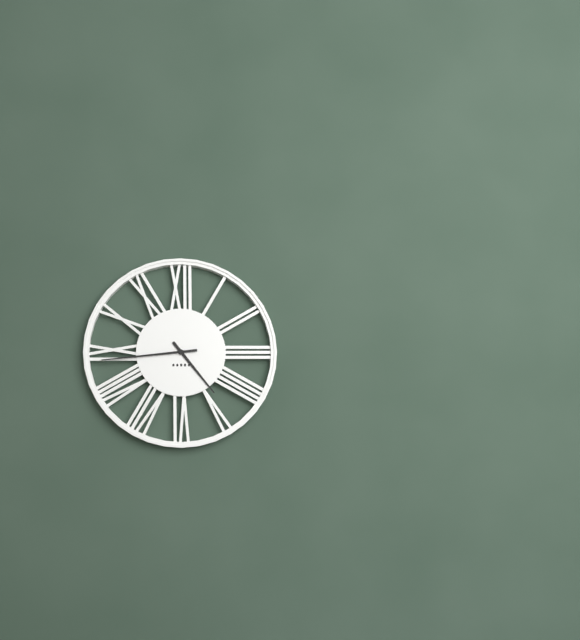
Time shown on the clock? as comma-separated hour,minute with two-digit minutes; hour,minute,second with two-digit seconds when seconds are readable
4,44
